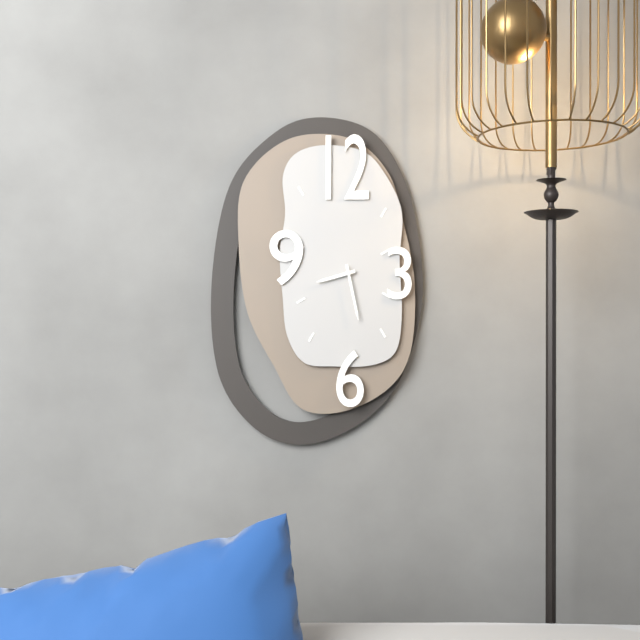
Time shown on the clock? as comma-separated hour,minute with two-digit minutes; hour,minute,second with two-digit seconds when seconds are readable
8,28
